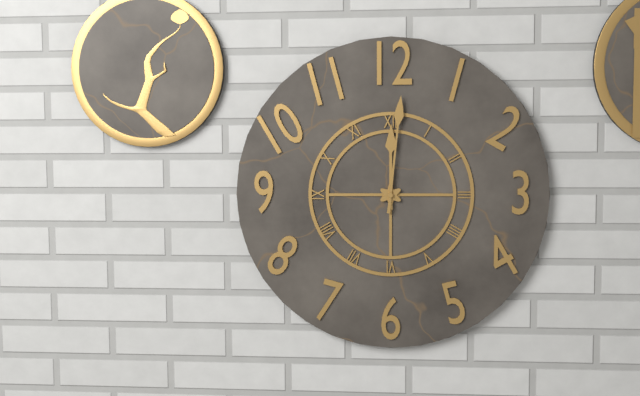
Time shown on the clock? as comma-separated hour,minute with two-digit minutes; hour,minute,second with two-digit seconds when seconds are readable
12,01
